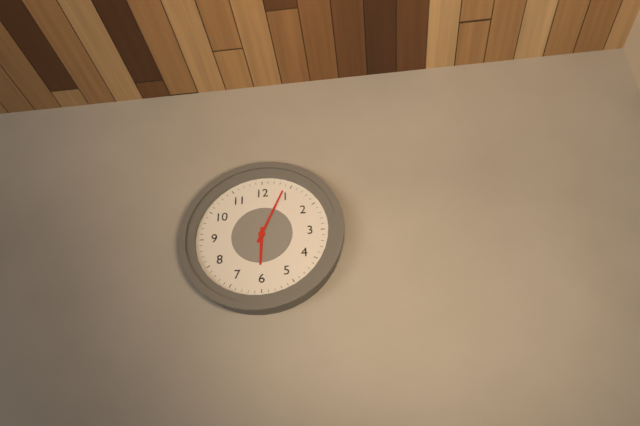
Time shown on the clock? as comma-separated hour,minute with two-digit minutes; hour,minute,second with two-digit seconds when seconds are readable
6,04
